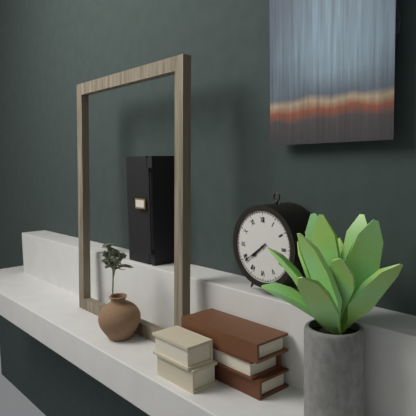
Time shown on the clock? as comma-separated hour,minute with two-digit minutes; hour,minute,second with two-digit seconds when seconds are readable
7,39
